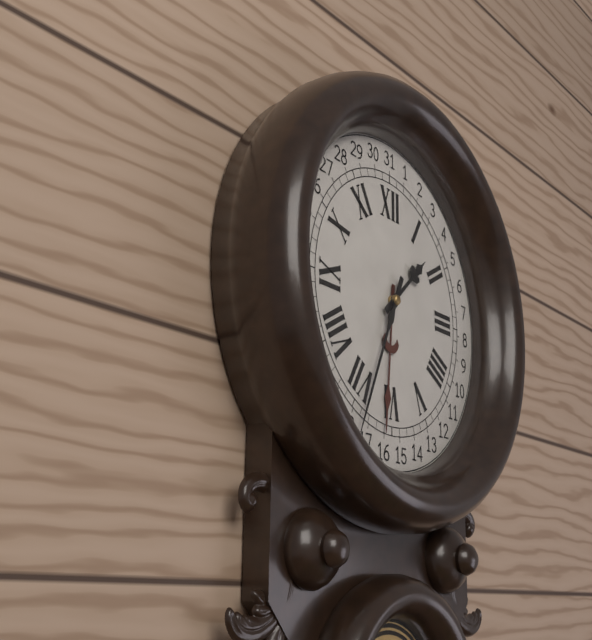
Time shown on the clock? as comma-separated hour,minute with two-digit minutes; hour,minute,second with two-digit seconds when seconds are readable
1,34
